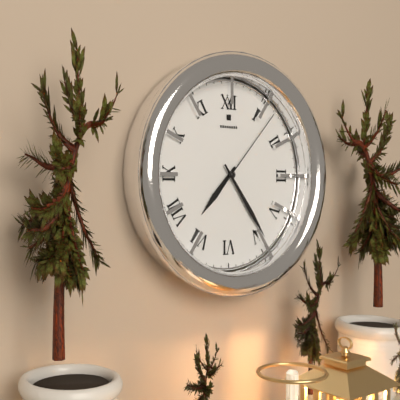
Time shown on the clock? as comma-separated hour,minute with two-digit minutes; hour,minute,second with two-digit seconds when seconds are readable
7,24,07
